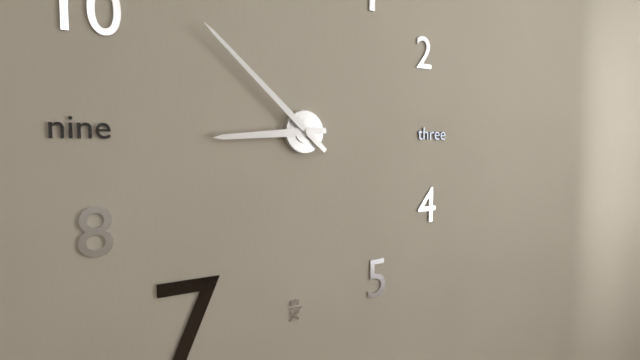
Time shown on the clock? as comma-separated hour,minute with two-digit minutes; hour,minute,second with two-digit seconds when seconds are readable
8,52
